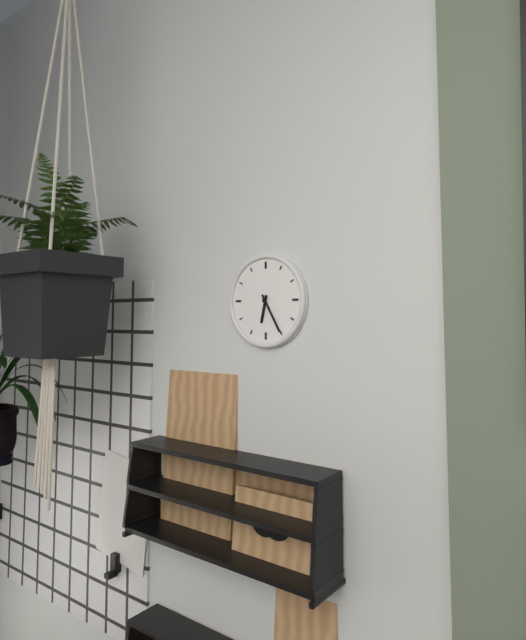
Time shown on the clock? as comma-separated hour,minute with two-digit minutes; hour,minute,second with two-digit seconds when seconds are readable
6,25
